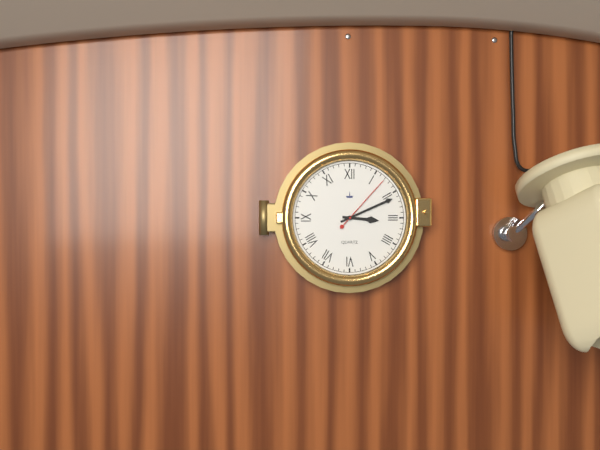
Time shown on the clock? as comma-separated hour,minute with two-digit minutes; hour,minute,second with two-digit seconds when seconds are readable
3,11,07
